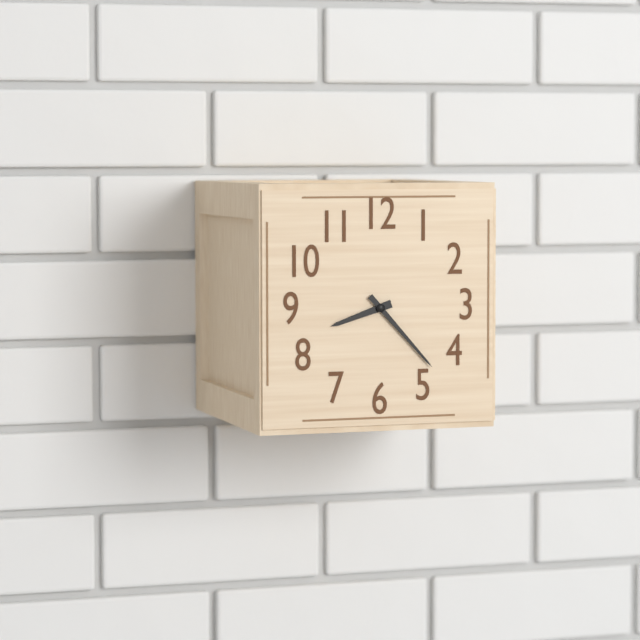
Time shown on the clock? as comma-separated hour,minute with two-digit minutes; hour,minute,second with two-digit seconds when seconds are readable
8,23
